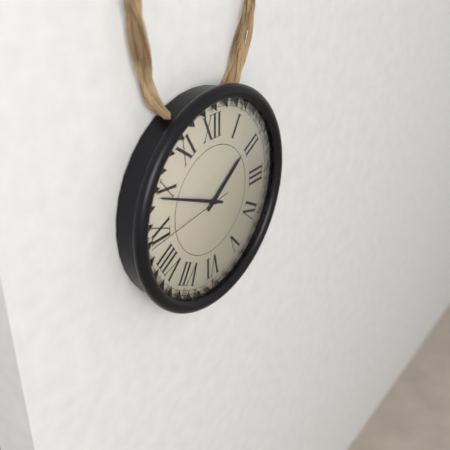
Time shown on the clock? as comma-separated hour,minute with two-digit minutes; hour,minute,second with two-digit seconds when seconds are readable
1,49,44
